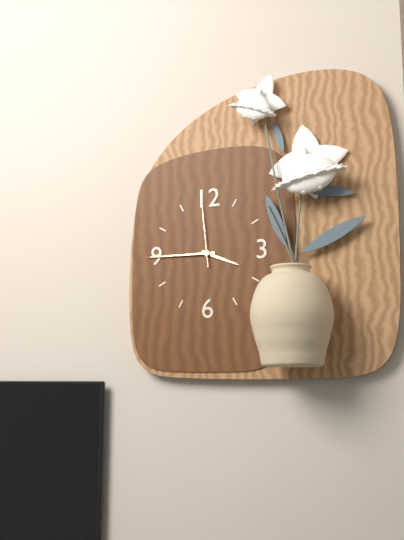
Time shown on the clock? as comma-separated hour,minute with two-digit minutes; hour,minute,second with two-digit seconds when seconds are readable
3,45,59
